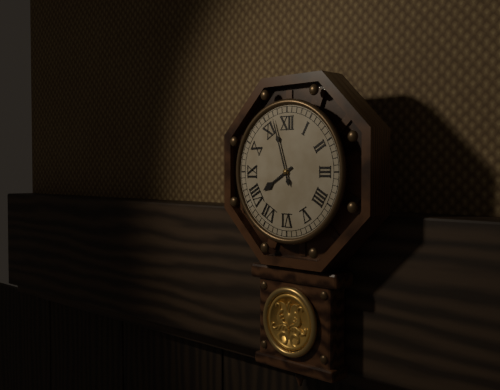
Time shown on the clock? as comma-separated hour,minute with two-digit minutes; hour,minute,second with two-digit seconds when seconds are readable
7,57
